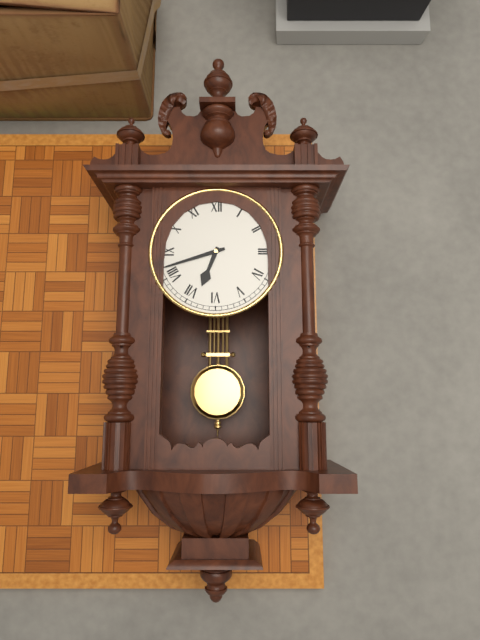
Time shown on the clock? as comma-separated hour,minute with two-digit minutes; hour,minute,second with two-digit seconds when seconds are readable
6,42
